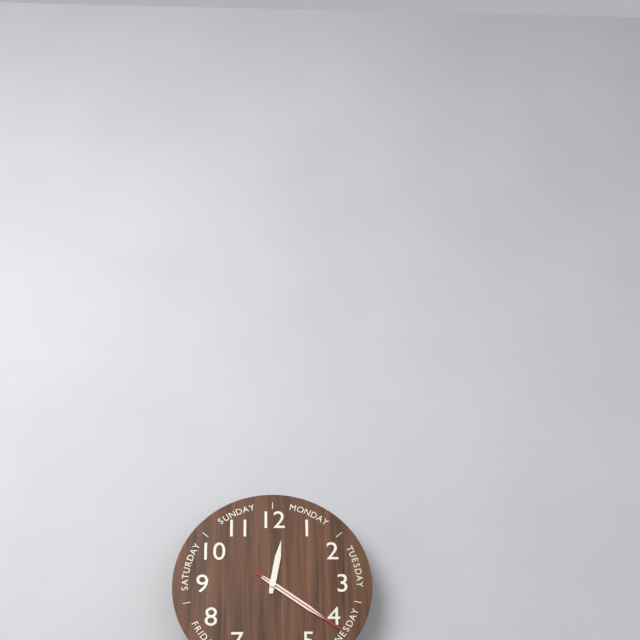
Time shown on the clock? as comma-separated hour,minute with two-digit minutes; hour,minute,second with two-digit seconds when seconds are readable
12,21,21
